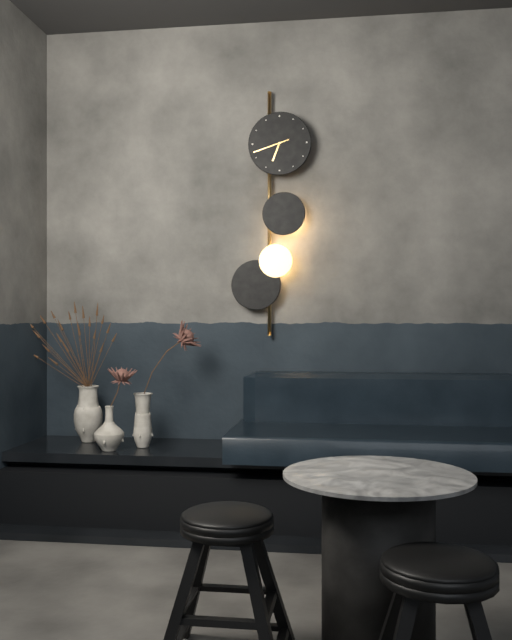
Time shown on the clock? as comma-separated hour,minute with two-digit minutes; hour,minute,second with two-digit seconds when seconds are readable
6,42
